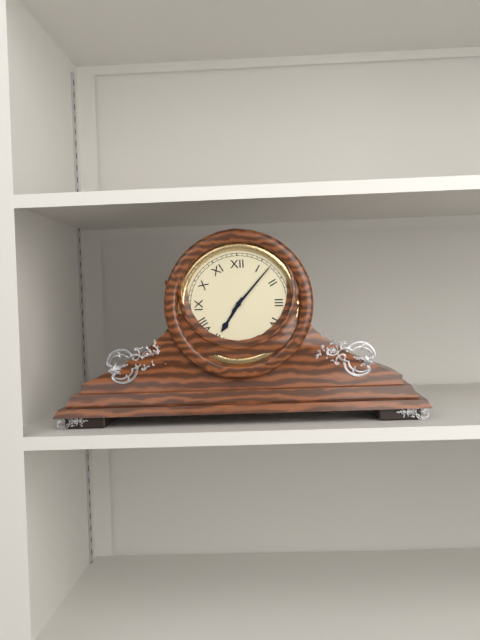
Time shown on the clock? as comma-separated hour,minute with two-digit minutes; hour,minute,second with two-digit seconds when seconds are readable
7,07
